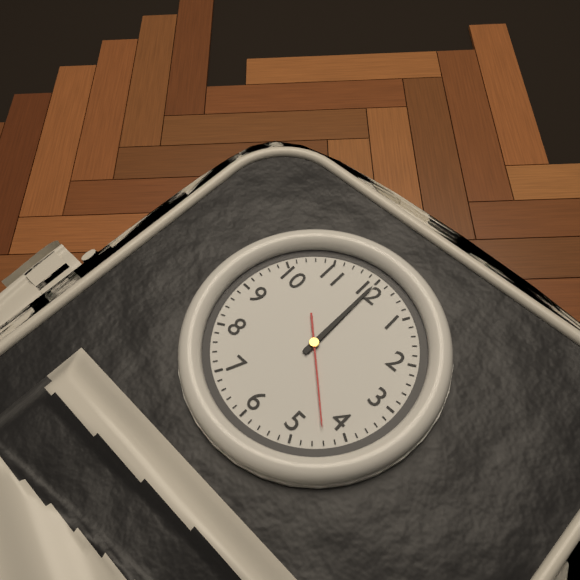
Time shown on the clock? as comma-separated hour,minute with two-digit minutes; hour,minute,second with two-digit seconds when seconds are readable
12,00,22
